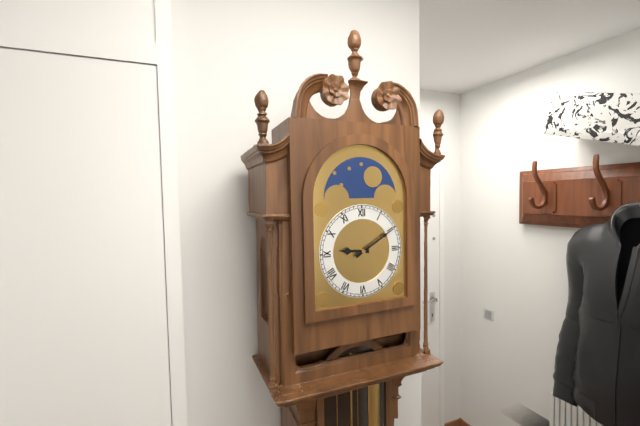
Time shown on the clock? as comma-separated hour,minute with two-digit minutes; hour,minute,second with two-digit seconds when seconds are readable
9,10
